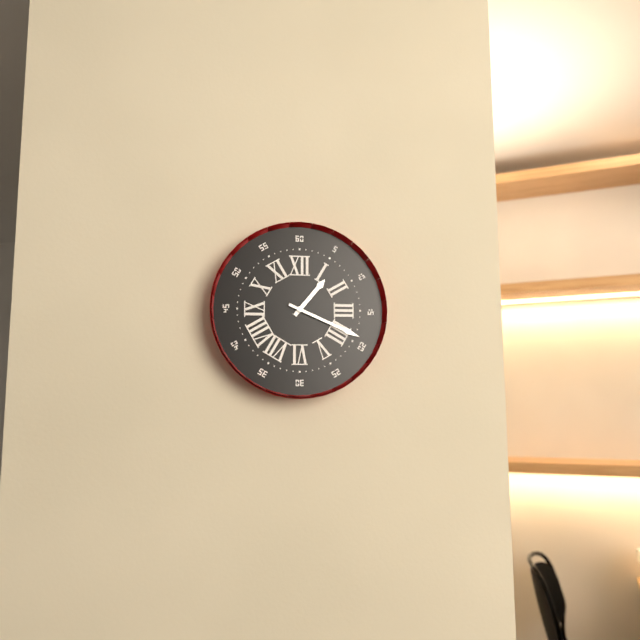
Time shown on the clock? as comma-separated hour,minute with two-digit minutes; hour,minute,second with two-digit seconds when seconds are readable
1,19
